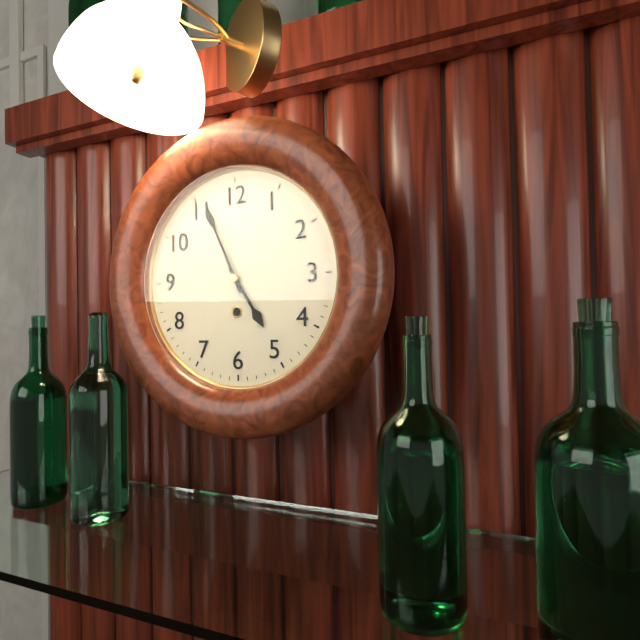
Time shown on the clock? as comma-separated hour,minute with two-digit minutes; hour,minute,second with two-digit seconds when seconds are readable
4,56
